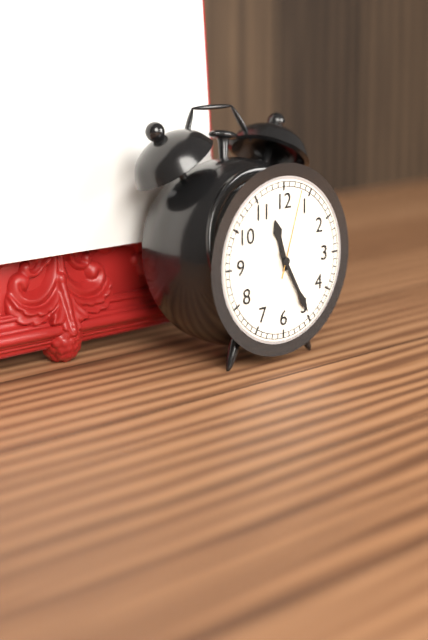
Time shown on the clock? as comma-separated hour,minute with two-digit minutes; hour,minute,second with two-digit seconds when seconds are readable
11,25,03
